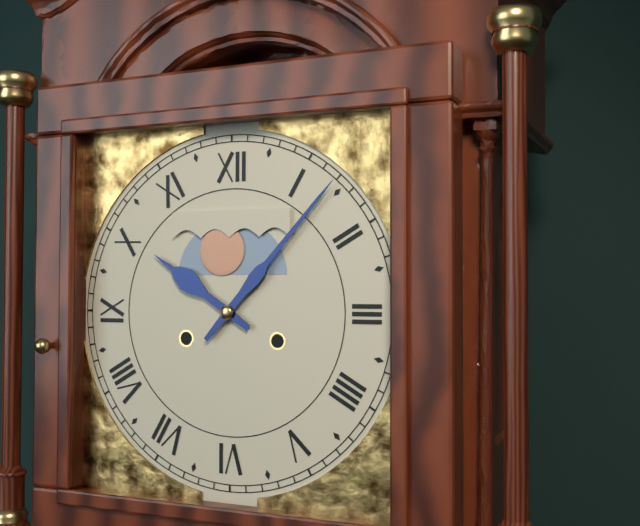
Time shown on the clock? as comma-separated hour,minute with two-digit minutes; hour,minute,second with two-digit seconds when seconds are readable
10,07
